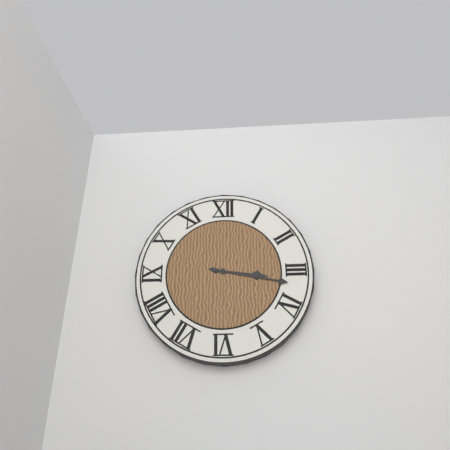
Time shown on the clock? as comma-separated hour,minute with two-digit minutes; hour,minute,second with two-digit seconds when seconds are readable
3,17
